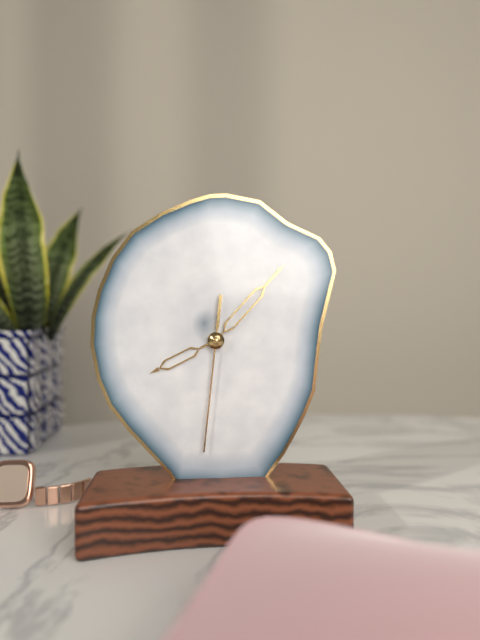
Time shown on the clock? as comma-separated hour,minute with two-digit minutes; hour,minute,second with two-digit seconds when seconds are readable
8,07,31
